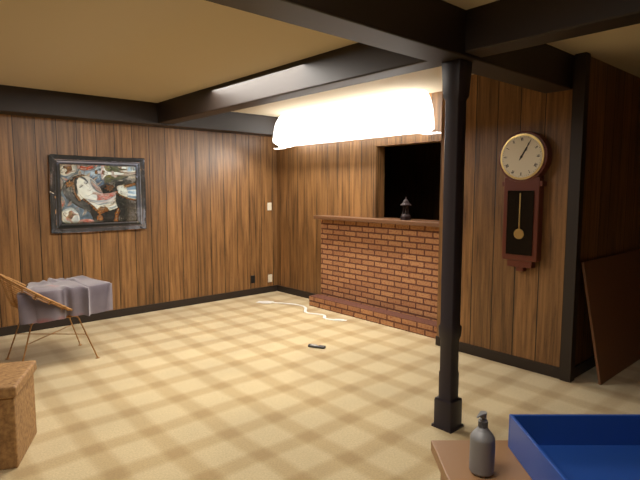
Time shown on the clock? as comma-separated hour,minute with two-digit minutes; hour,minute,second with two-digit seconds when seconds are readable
1,05
